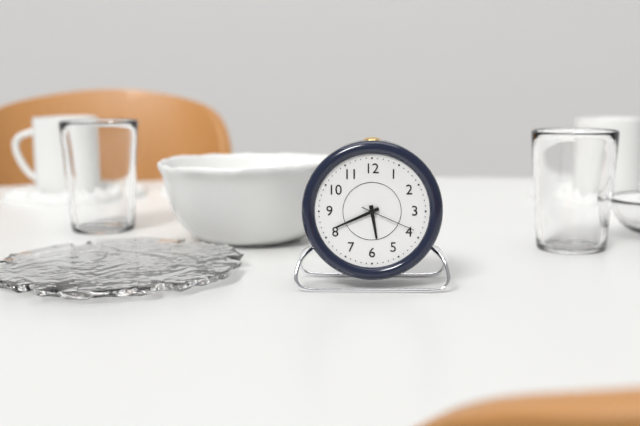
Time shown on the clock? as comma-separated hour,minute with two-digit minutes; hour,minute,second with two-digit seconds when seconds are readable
5,41,19
